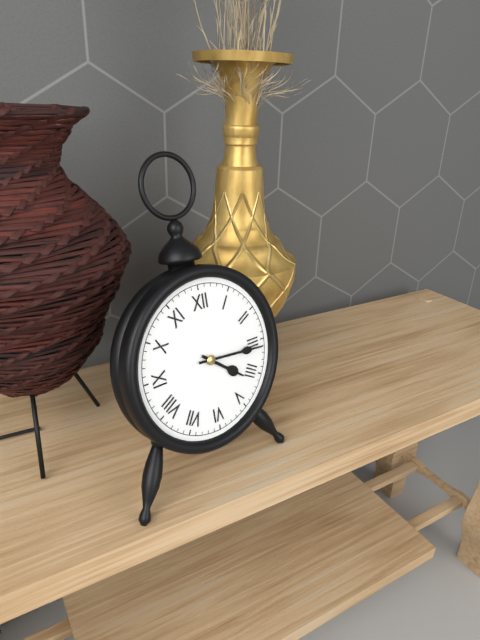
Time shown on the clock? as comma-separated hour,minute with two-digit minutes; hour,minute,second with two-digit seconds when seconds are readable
4,16
